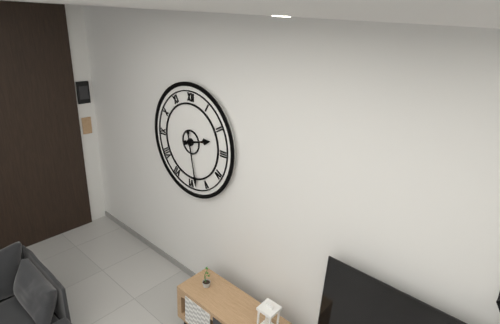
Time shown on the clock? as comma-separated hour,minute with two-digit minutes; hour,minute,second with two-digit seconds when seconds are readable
2,28
